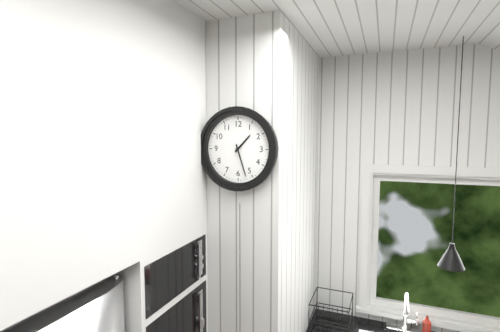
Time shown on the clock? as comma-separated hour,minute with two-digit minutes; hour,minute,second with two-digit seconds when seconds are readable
1,27
